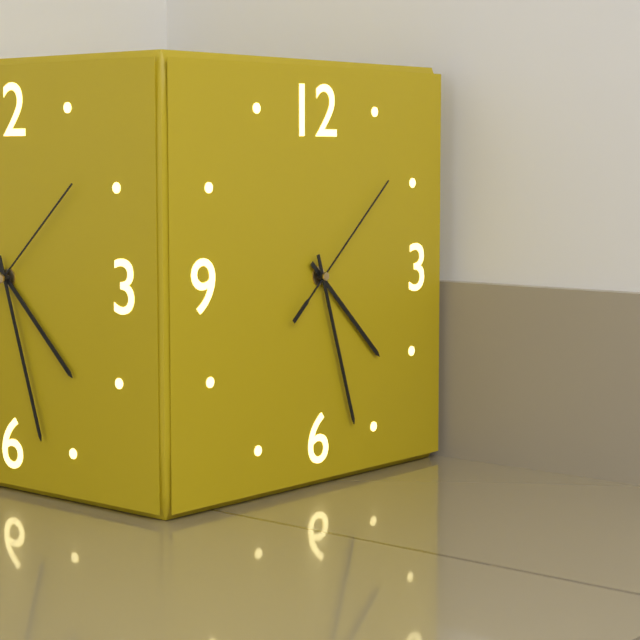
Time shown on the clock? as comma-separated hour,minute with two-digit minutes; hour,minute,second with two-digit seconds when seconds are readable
4,27,08
